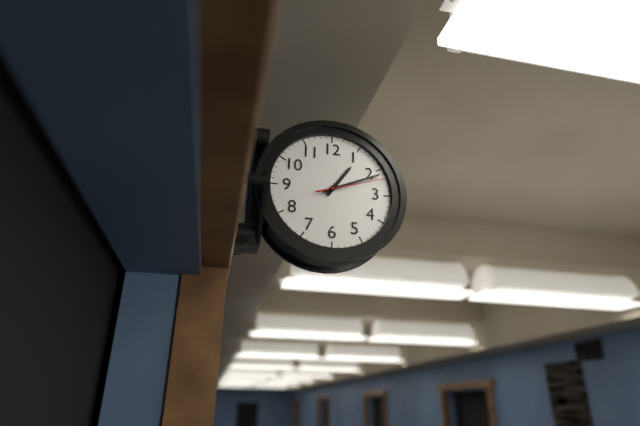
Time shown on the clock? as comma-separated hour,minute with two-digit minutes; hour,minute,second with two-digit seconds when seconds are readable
1,11,12
